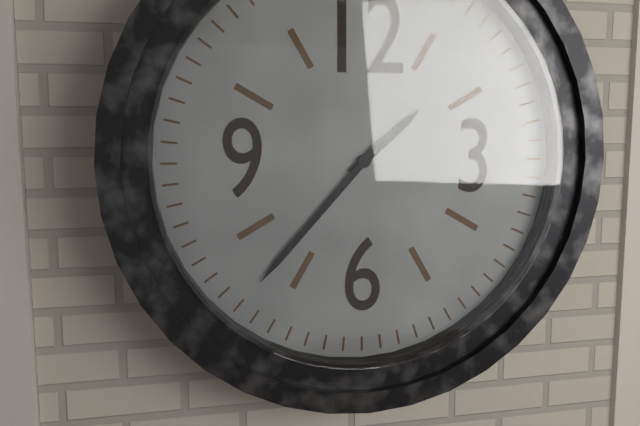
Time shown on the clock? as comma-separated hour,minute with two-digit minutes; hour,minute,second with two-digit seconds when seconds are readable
1,37
